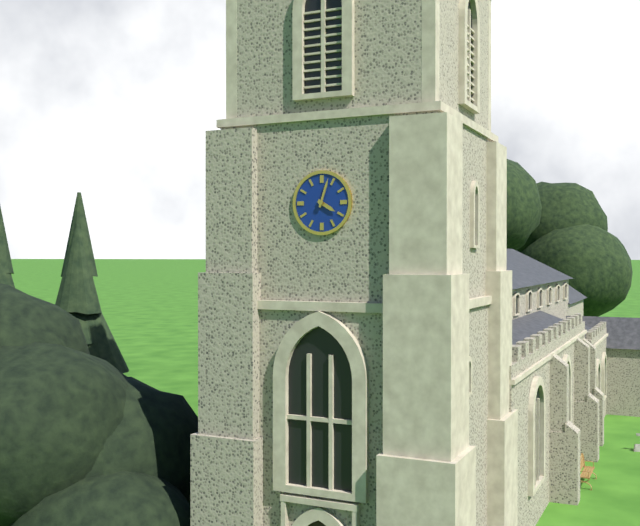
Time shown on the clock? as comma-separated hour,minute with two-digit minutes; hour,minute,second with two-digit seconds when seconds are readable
4,03
